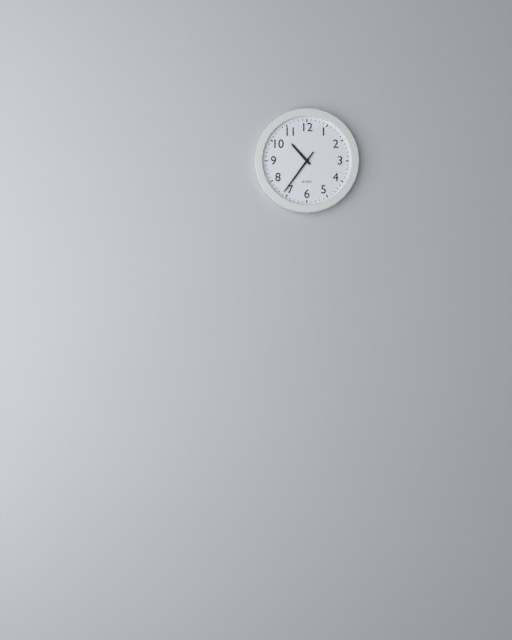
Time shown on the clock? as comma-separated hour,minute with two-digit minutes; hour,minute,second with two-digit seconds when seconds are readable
10,36
